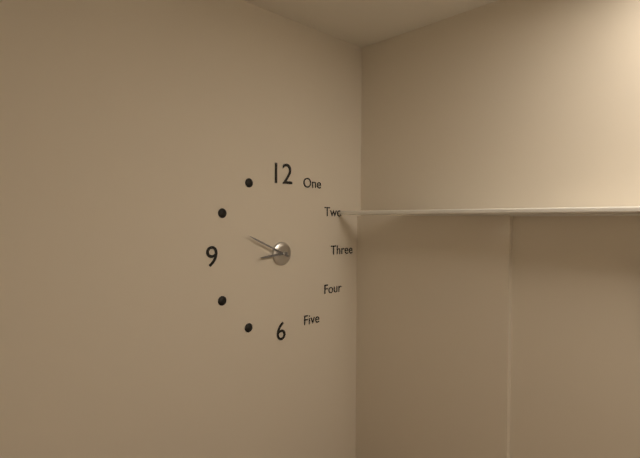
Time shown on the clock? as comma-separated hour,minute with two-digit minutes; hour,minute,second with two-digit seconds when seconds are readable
8,49
